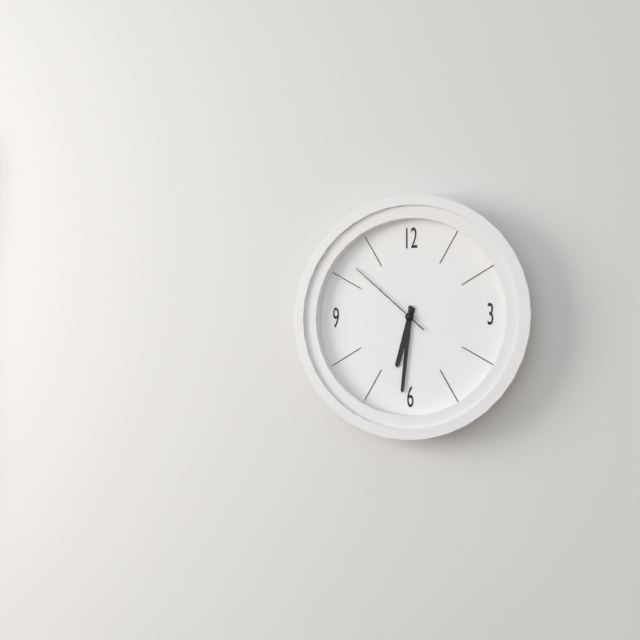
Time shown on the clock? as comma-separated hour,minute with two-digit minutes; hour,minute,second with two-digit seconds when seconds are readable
6,31,52
